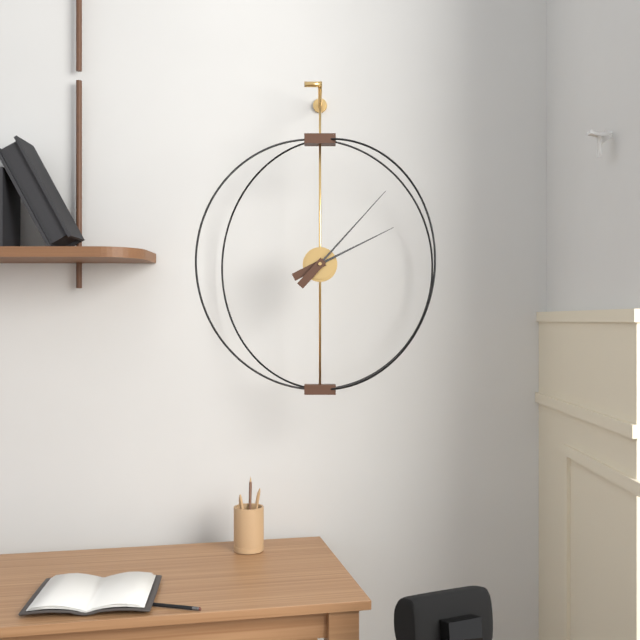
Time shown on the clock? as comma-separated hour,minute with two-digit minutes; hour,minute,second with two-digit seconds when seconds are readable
2,07
